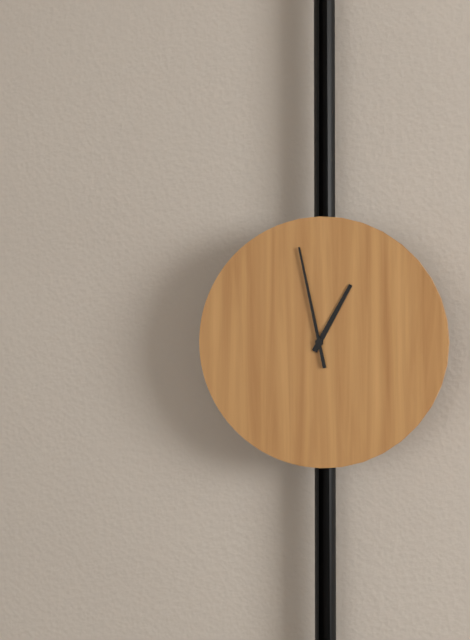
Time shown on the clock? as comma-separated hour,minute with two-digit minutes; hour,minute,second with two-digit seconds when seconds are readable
12,58
